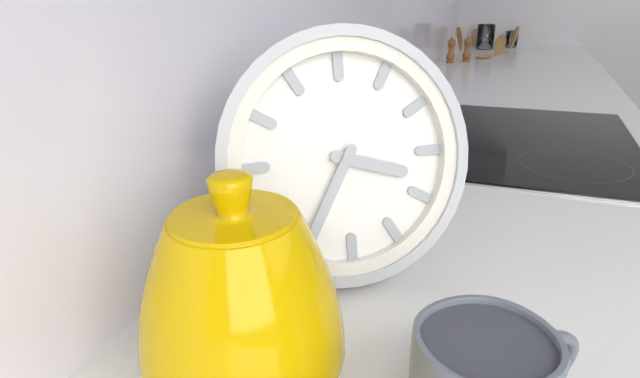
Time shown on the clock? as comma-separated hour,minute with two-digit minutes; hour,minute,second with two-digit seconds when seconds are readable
3,35
